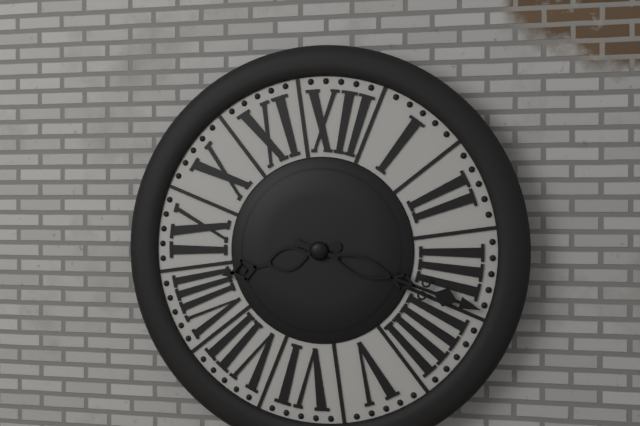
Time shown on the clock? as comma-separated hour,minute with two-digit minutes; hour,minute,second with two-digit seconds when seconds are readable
8,17
